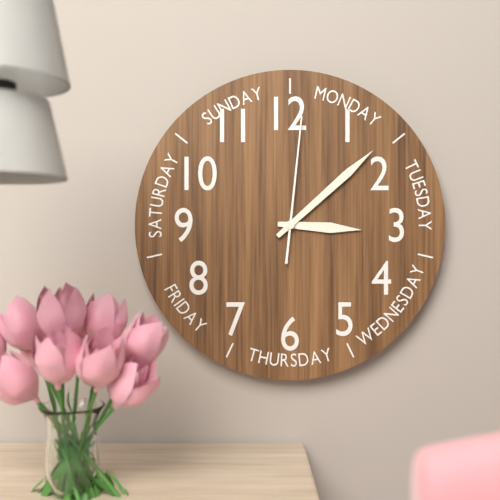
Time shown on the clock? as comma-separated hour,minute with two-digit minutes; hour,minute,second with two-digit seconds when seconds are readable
3,08,01
